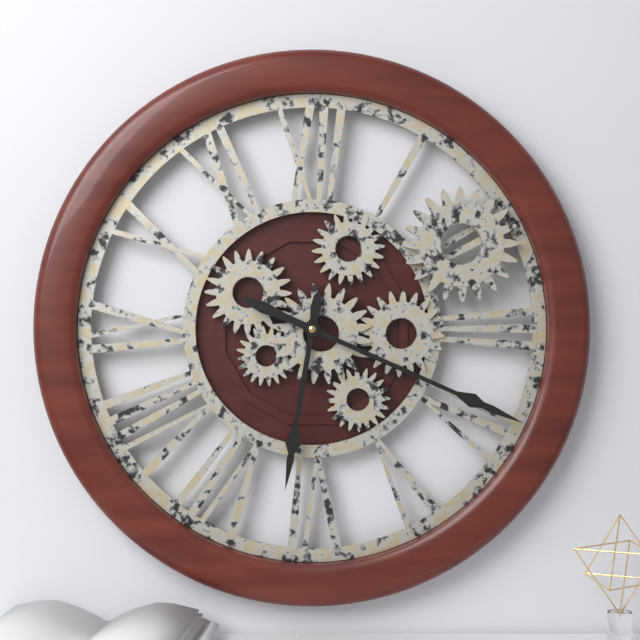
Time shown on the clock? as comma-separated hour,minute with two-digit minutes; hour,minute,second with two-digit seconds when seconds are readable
6,19
